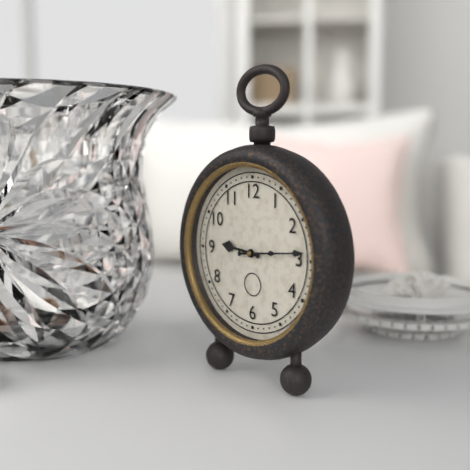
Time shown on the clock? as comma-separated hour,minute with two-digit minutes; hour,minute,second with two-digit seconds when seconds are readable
9,14
